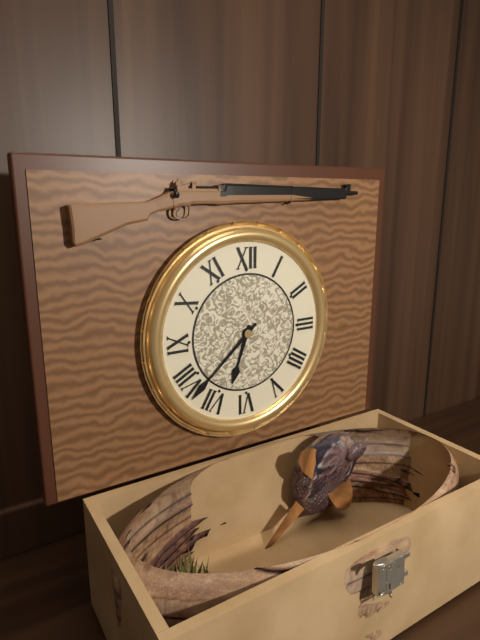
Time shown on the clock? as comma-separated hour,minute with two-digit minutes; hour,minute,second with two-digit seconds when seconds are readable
6,38
